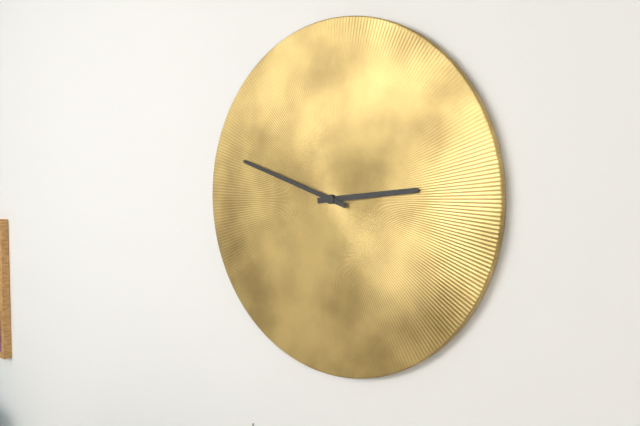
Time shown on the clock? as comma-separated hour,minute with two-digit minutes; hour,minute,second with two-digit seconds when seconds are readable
2,48
